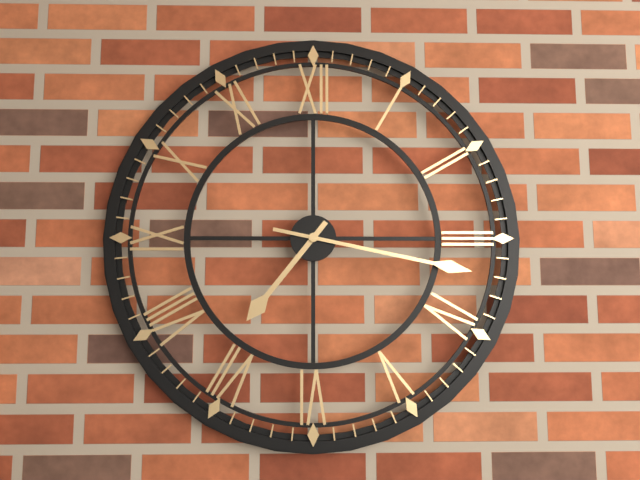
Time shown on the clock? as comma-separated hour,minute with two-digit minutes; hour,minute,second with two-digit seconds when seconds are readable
7,17
